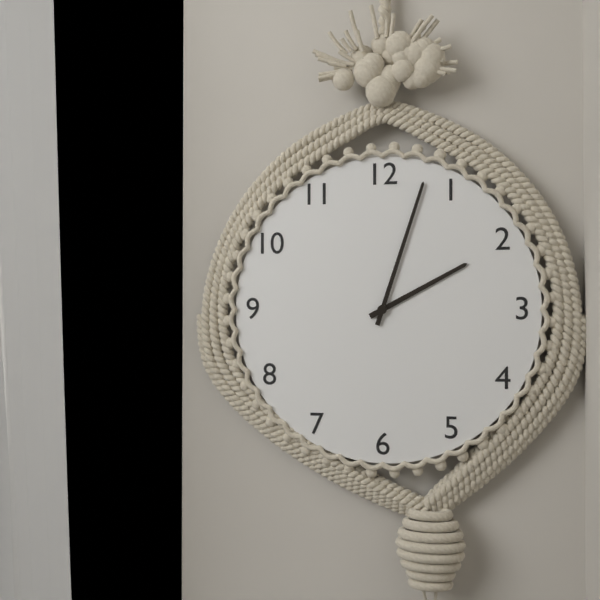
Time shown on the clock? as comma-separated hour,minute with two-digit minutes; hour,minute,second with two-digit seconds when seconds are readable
2,03
